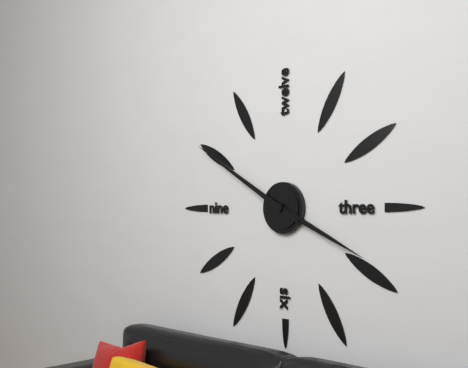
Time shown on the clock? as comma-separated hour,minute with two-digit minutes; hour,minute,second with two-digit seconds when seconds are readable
3,50
